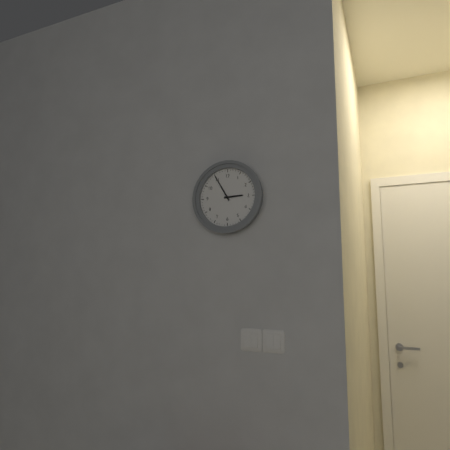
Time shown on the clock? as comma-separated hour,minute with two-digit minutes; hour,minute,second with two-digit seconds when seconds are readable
2,55
